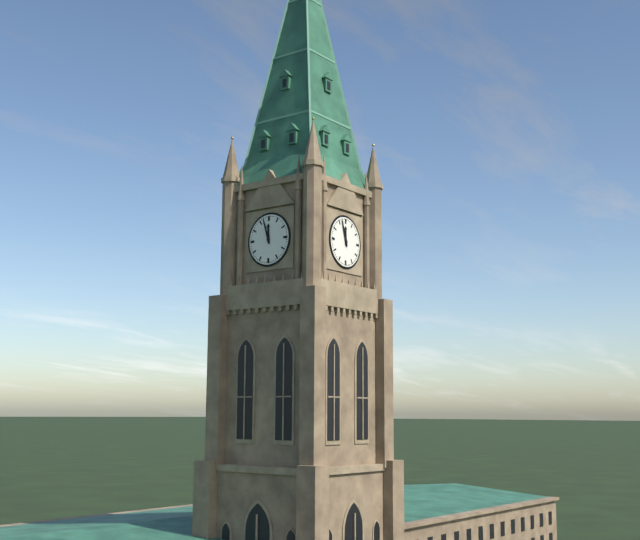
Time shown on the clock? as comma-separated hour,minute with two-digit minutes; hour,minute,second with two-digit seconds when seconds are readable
11,57
